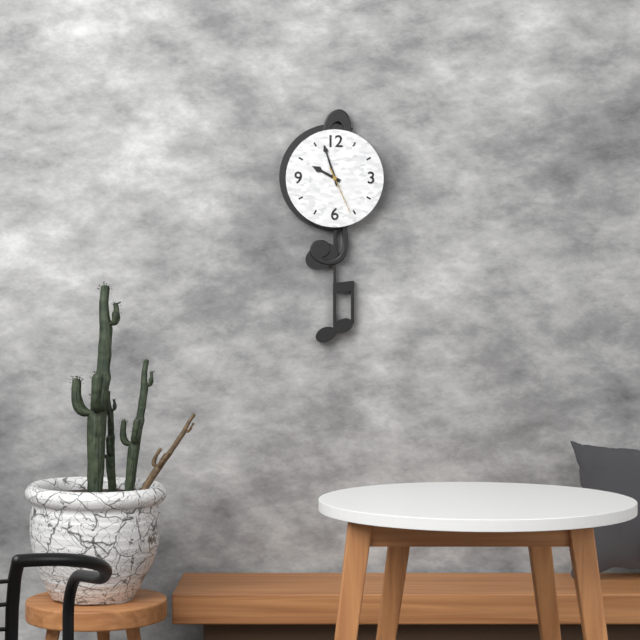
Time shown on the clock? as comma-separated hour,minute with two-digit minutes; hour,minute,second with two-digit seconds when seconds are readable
9,57
